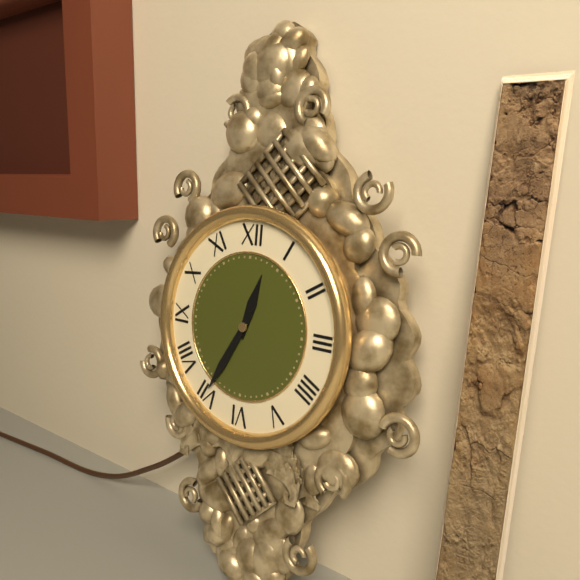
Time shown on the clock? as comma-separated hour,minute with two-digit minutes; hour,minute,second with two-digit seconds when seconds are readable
12,35
